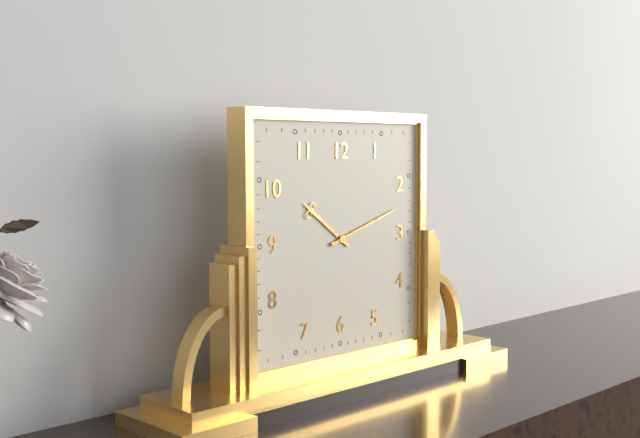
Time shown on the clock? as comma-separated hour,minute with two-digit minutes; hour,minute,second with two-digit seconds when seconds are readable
10,12
